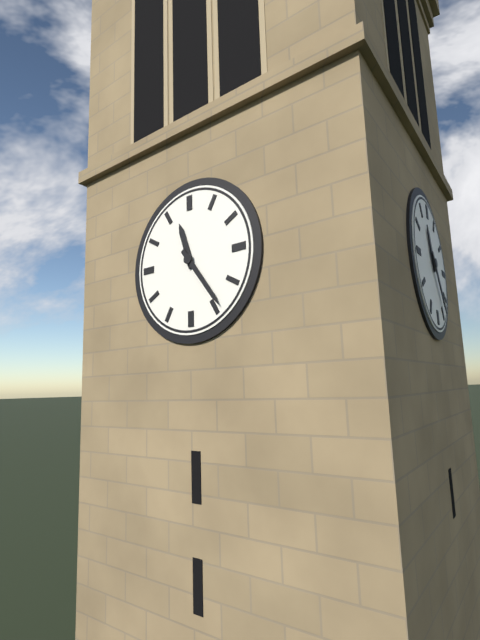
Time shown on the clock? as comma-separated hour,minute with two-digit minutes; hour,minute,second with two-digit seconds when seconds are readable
11,24
